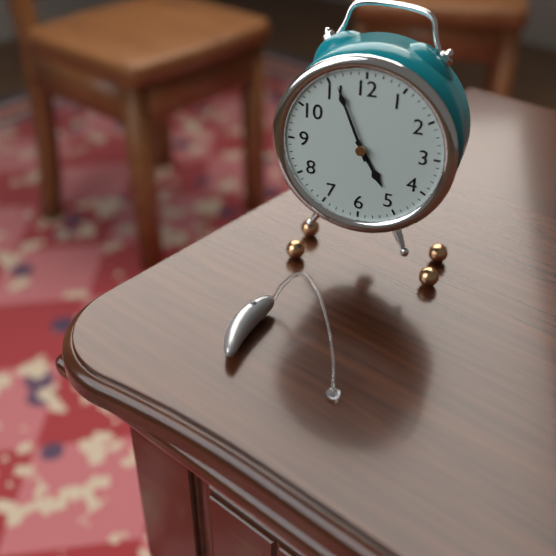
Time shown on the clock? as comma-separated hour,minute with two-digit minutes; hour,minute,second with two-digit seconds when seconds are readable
4,56
